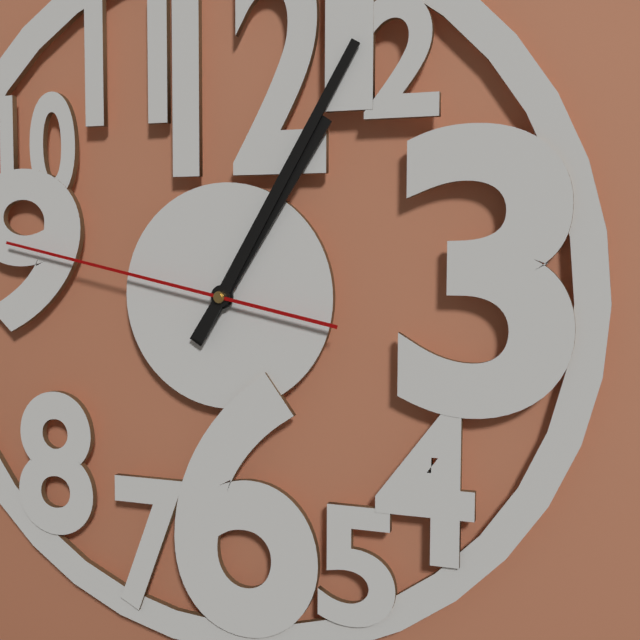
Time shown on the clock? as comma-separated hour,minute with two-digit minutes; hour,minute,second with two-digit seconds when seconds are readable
1,05,47
